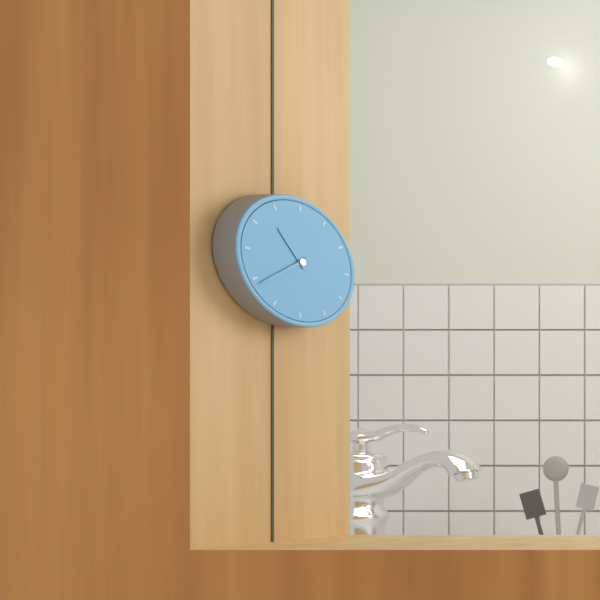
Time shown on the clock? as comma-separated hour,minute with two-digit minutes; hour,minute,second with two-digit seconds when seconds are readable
10,39
